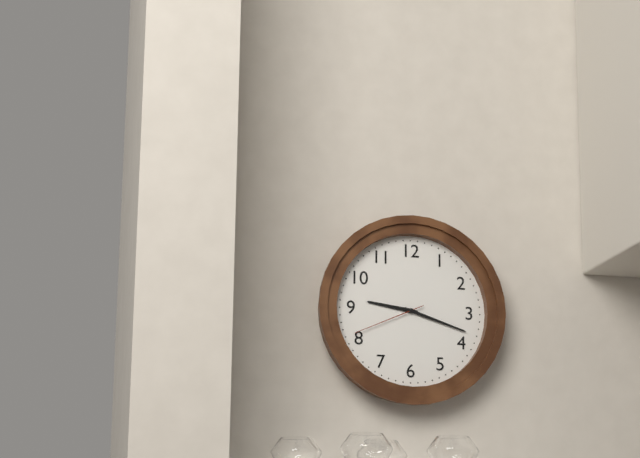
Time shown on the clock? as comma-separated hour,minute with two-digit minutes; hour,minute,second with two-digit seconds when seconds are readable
9,18,41
